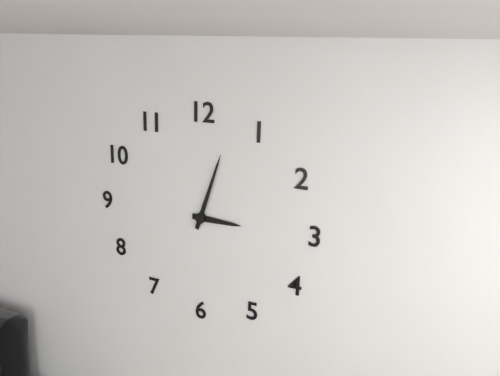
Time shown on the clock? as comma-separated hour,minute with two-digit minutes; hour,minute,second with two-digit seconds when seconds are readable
3,03
